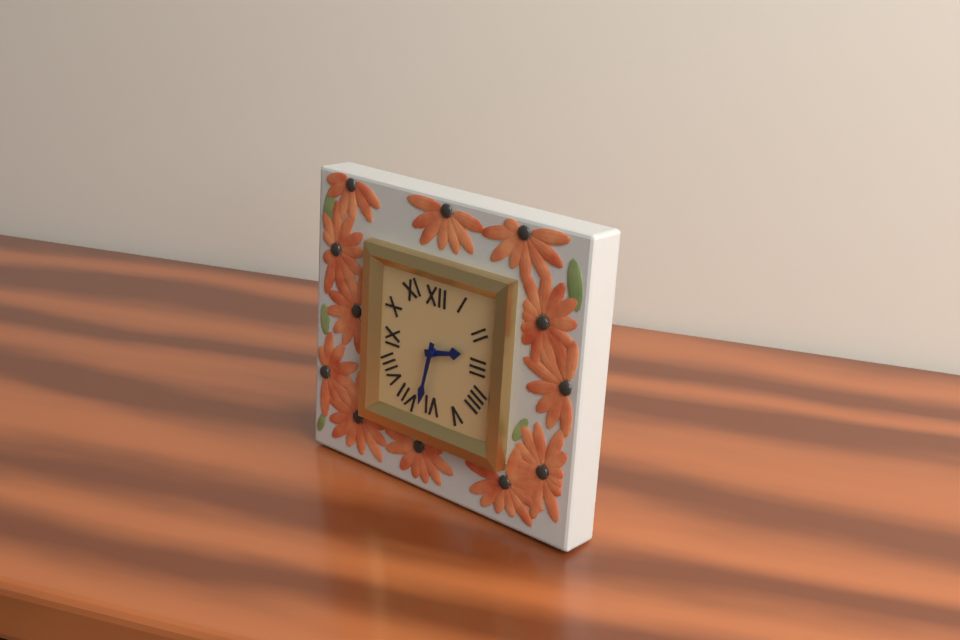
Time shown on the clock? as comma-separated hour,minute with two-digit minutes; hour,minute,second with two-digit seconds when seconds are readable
2,32
